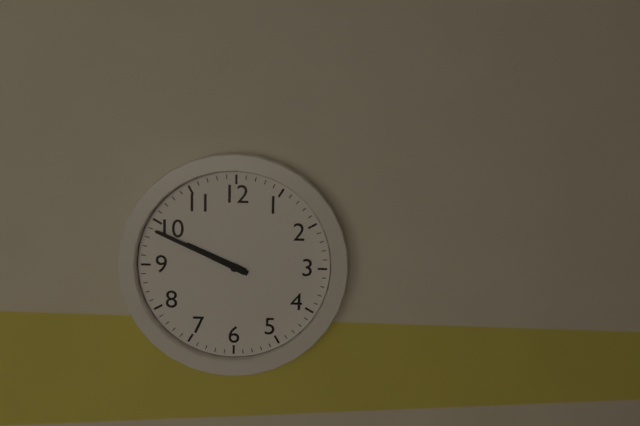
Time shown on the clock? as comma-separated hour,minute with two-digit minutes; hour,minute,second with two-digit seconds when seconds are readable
9,49
